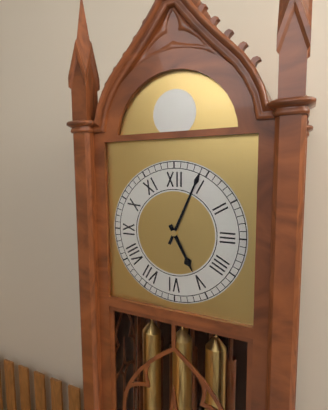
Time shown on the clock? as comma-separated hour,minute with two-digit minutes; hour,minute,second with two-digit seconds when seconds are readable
5,04
